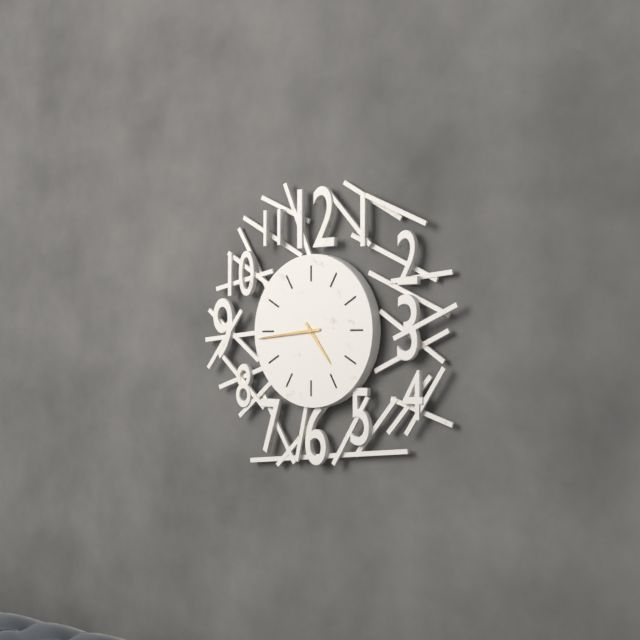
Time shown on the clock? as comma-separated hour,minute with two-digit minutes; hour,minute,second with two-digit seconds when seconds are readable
4,44
